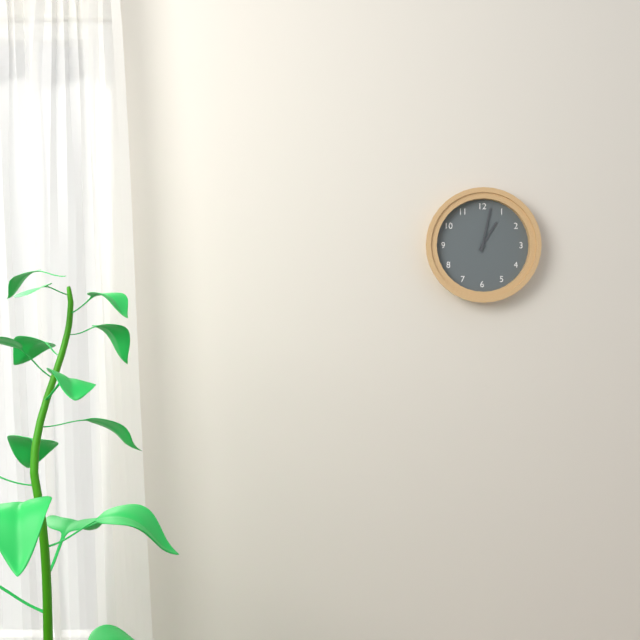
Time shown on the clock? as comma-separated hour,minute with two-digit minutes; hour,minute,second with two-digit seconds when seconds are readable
1,02
